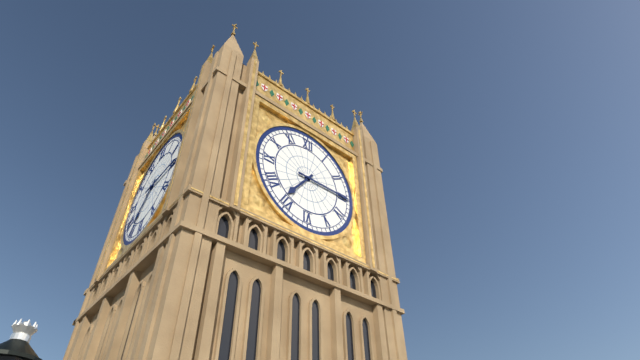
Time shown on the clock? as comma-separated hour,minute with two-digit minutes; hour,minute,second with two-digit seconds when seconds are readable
7,15
